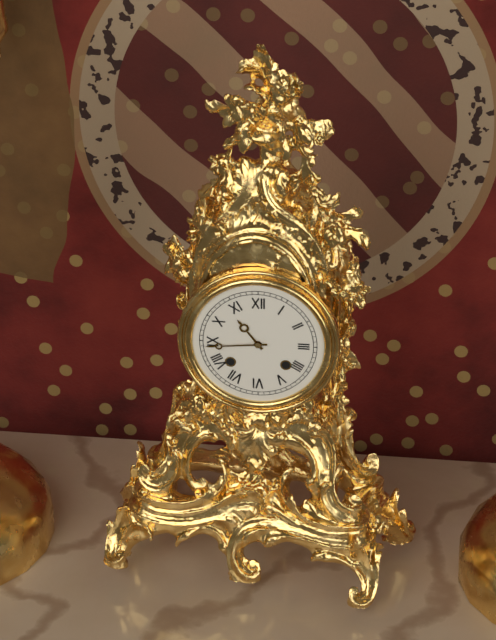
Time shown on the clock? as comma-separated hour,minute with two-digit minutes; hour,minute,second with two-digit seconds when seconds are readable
10,44
